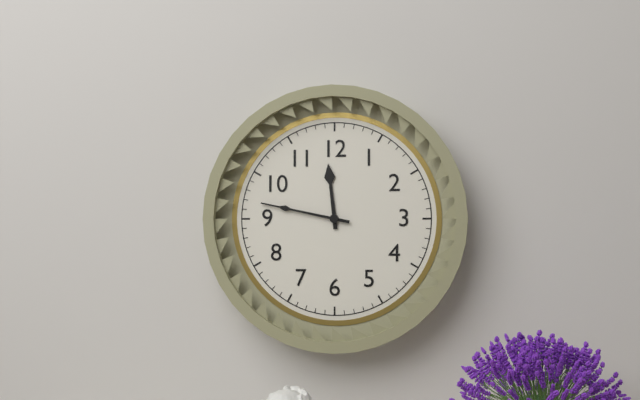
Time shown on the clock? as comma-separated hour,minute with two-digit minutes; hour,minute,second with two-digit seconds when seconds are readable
11,47
